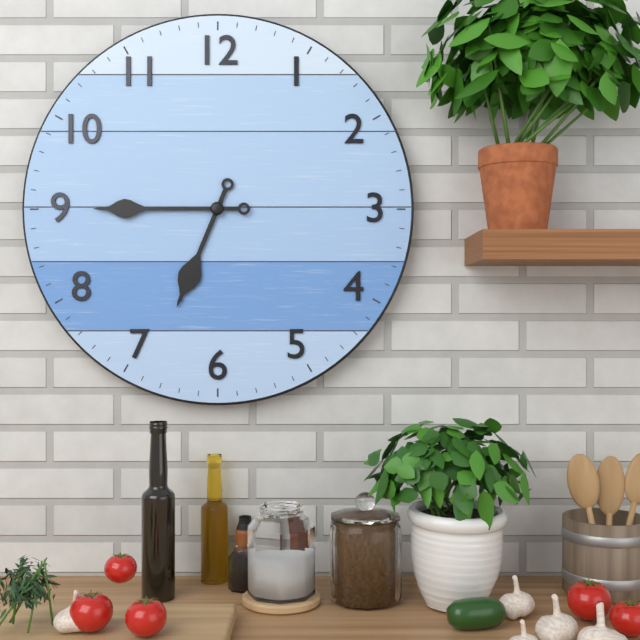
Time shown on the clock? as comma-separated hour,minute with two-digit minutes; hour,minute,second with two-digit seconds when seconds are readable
6,45
